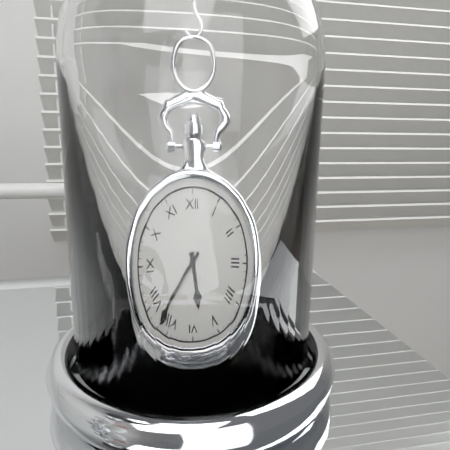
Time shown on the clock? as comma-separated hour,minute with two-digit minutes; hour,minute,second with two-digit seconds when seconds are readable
5,37
